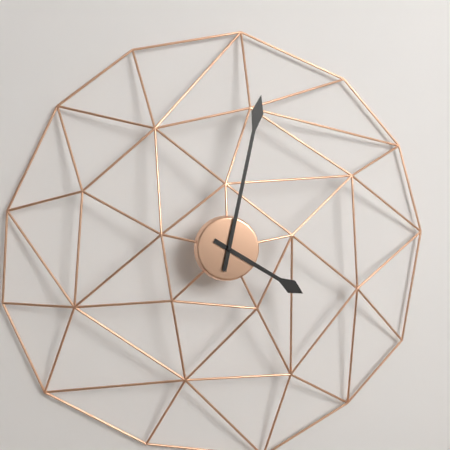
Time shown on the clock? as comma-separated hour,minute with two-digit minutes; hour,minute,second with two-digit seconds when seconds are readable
4,02
